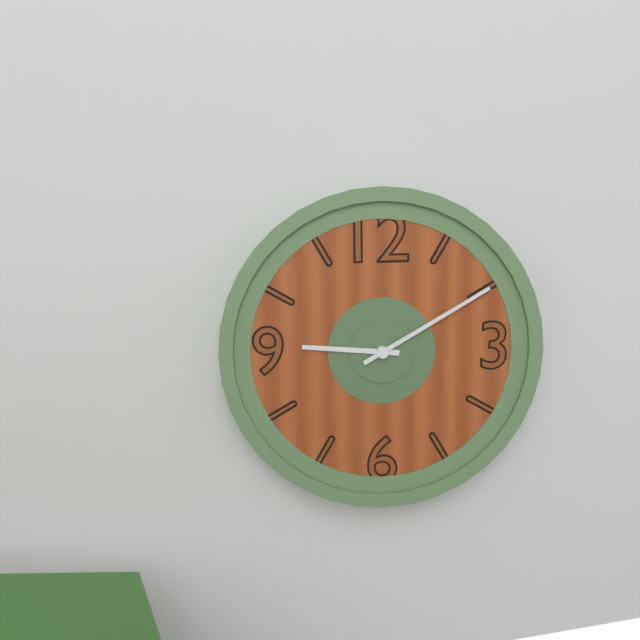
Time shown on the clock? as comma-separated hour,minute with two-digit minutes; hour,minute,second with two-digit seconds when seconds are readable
9,10
